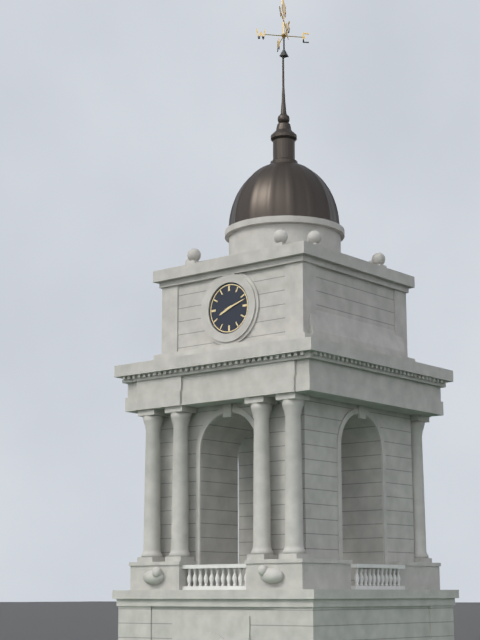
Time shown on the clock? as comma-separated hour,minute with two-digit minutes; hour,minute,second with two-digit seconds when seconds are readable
8,12
